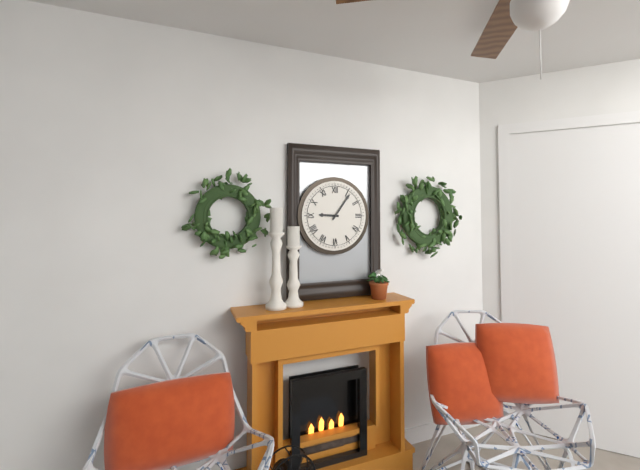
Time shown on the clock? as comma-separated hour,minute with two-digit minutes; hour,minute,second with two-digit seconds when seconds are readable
9,06
